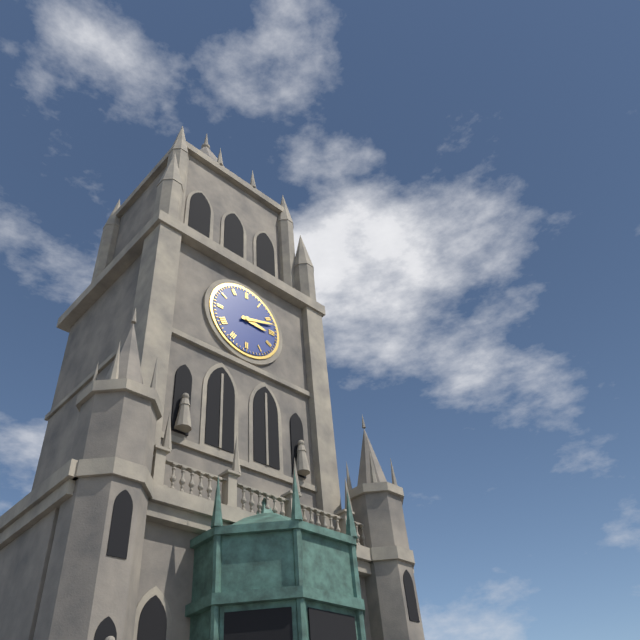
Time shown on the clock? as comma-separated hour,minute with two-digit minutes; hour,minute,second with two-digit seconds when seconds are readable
3,12
